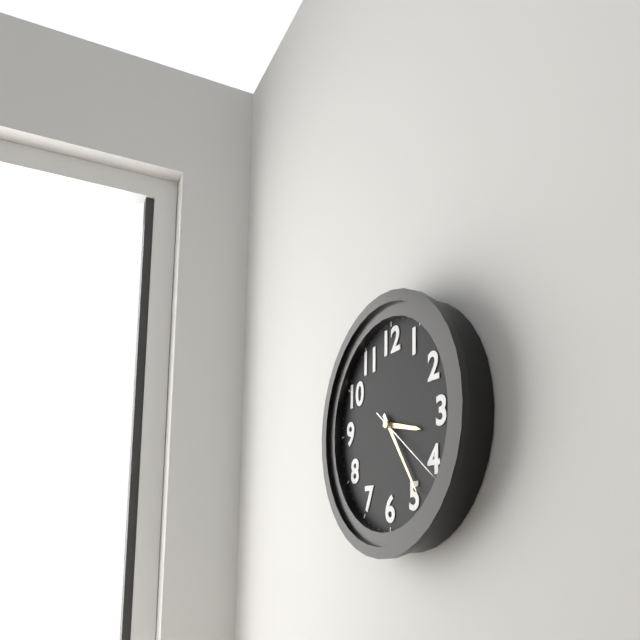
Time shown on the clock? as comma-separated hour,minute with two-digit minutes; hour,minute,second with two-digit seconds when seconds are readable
3,24,21
